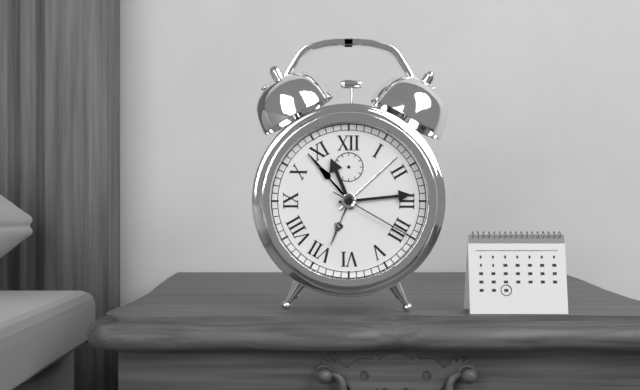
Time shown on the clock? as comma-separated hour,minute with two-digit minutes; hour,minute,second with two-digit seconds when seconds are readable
11,14,20
